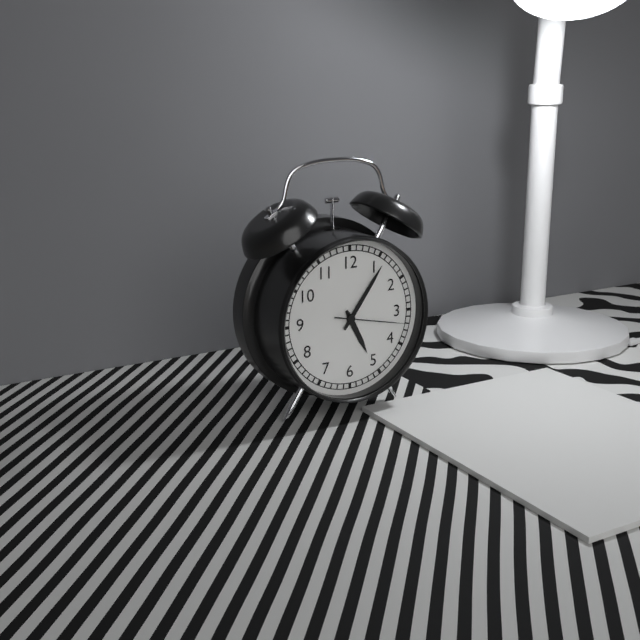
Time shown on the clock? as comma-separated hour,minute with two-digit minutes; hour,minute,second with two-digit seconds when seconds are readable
5,06,17
